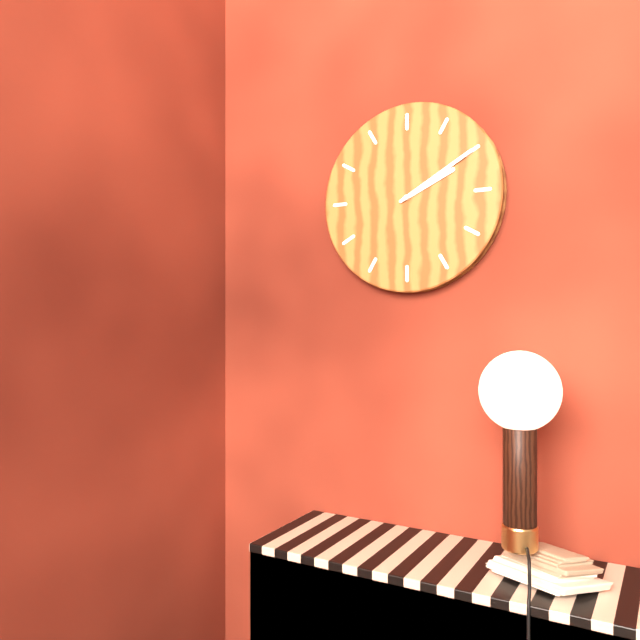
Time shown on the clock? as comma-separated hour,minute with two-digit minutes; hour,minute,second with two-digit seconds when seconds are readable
2,10
